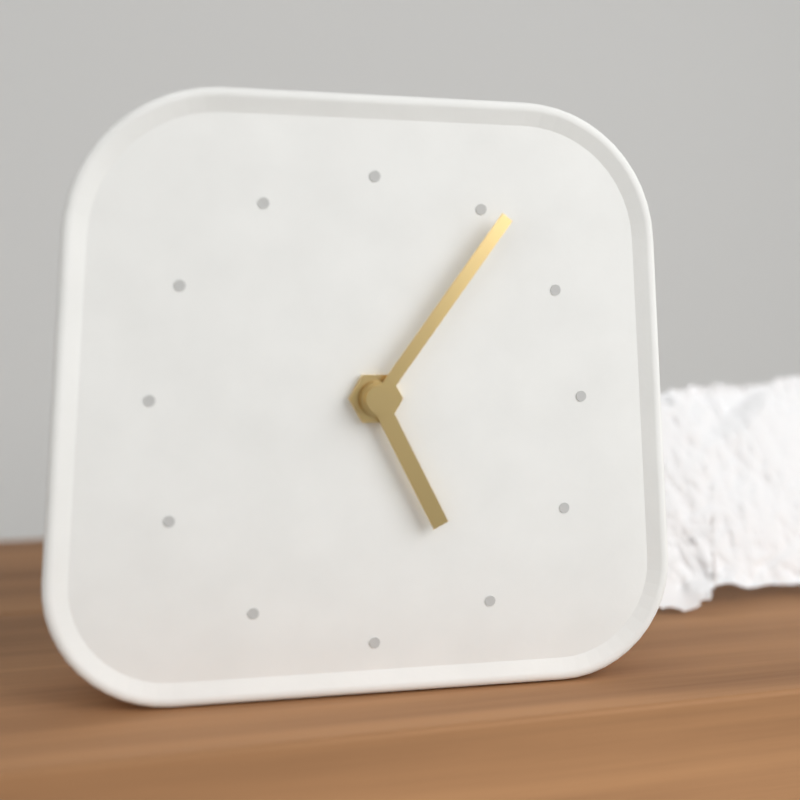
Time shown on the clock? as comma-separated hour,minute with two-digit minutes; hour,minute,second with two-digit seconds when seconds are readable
5,06
